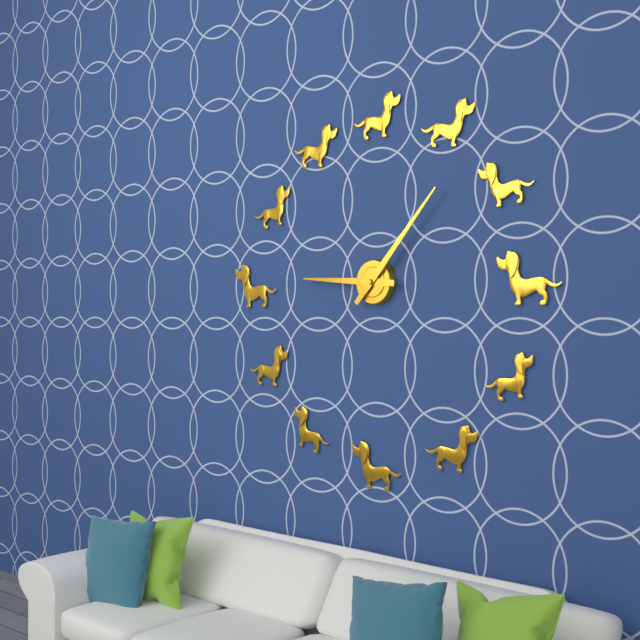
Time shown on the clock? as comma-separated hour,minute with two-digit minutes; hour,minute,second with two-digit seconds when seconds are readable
9,07
